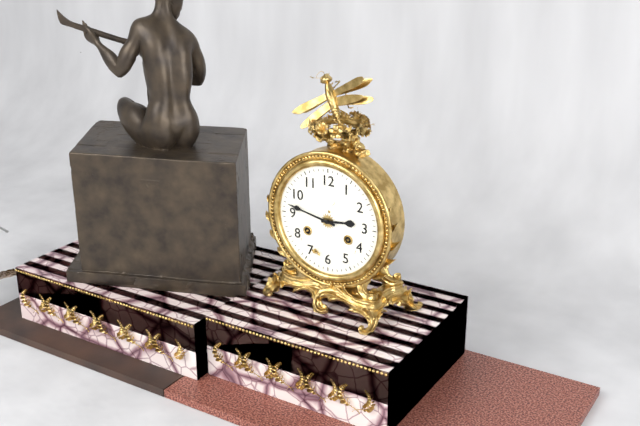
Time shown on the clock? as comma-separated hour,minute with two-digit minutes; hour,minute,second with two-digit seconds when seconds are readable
2,47
